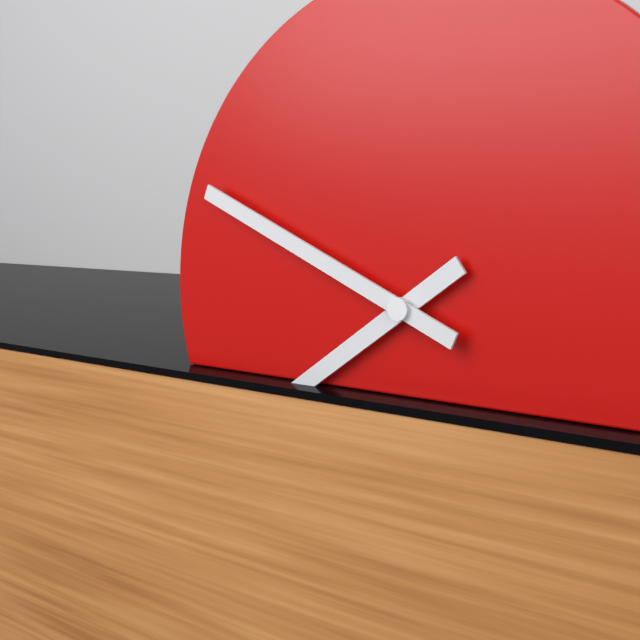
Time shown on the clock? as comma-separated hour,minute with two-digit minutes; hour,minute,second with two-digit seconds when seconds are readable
7,49
